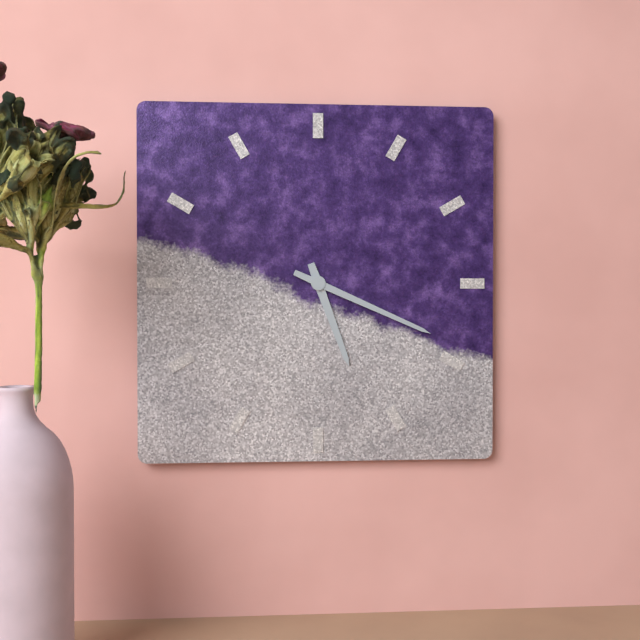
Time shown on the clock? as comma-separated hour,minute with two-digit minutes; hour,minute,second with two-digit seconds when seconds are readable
5,19
